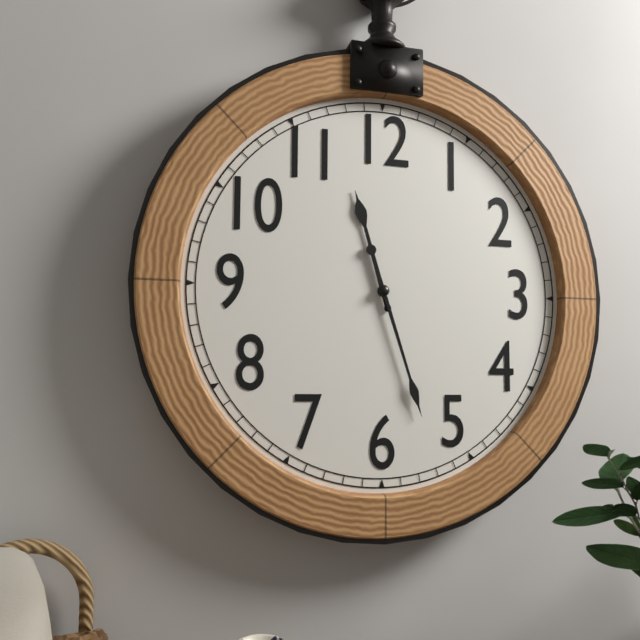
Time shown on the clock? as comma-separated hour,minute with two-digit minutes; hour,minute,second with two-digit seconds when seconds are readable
11,27
